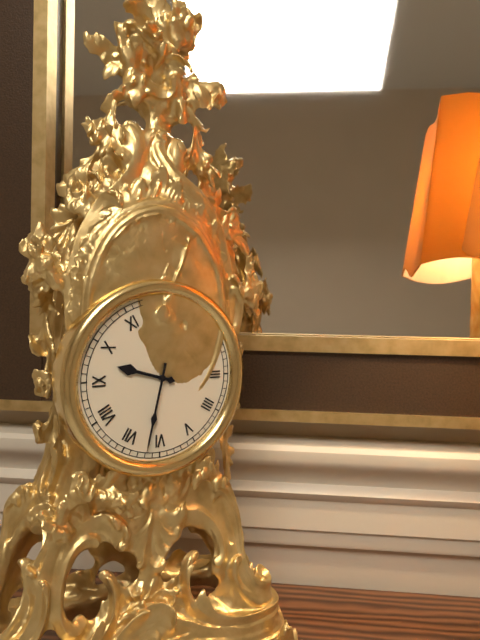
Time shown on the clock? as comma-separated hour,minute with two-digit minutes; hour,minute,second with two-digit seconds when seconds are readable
9,32
